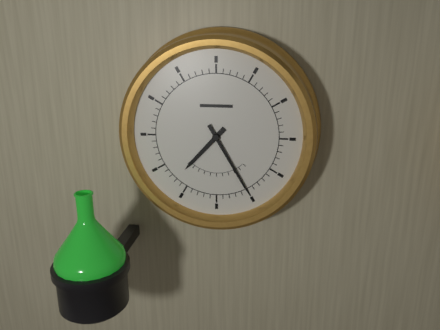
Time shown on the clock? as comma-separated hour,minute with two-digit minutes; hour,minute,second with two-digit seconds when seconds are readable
7,25
